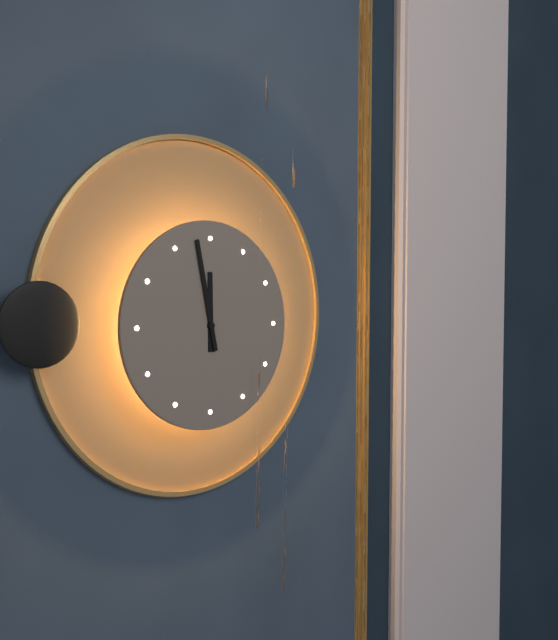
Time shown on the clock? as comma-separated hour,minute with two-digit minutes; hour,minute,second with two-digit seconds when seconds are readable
11,58
